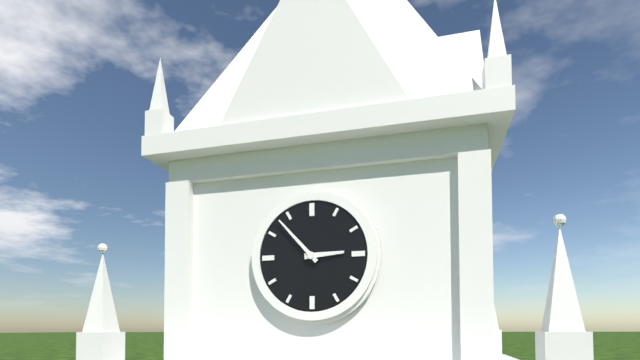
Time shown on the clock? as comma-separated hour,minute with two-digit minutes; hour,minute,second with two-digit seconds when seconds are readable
2,53
